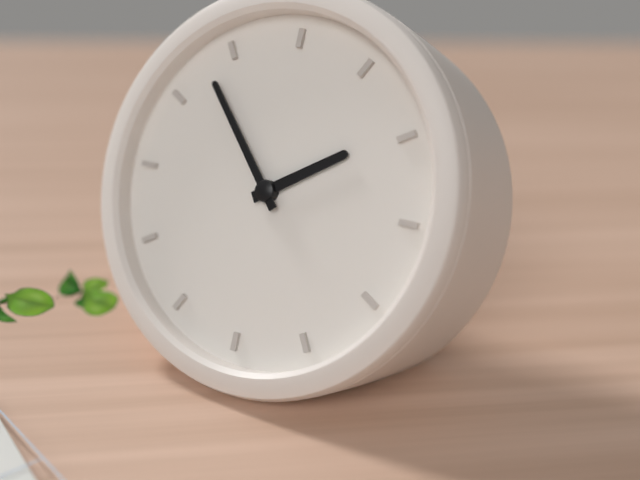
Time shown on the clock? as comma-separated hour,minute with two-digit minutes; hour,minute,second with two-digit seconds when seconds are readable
1,53
